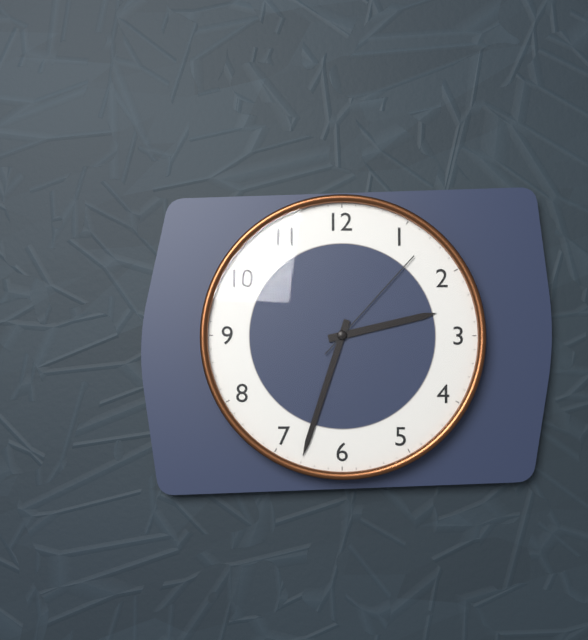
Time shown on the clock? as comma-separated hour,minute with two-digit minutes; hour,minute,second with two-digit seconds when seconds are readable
2,33,07
